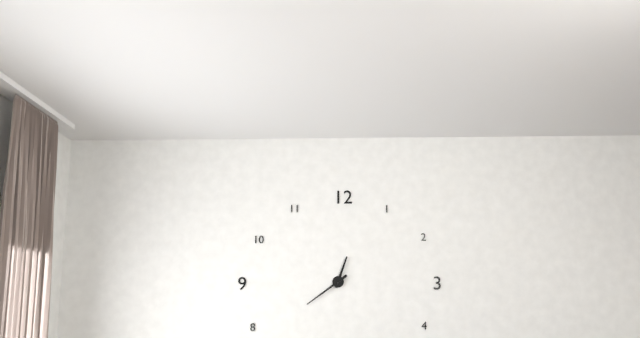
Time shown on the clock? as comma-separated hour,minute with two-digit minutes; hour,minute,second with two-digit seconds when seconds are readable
12,39
